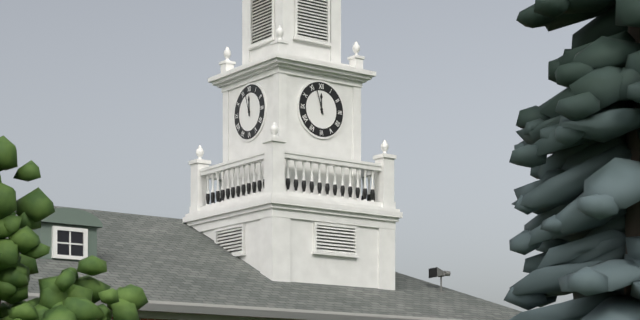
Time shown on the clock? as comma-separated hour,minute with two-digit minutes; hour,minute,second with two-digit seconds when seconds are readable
11,57
